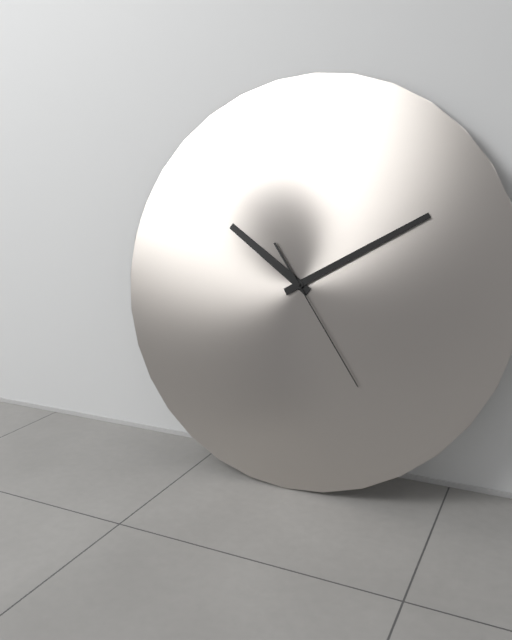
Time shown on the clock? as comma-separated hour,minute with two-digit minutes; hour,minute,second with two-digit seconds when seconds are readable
10,10,24
